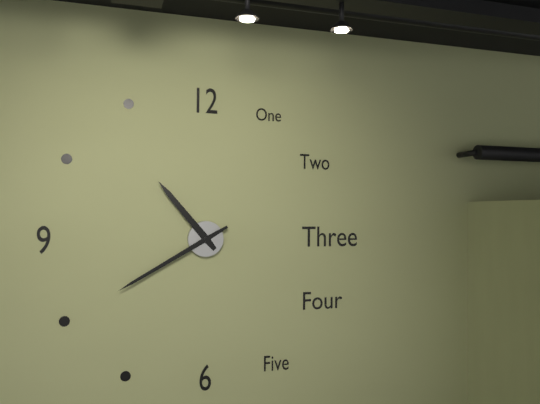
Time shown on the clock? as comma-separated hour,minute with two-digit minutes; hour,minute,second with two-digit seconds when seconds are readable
10,40
